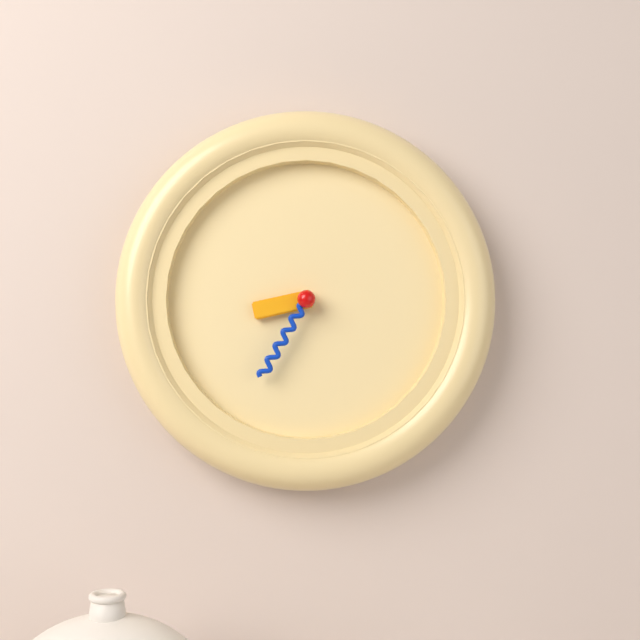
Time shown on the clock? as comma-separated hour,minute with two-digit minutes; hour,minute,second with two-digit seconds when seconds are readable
8,35
